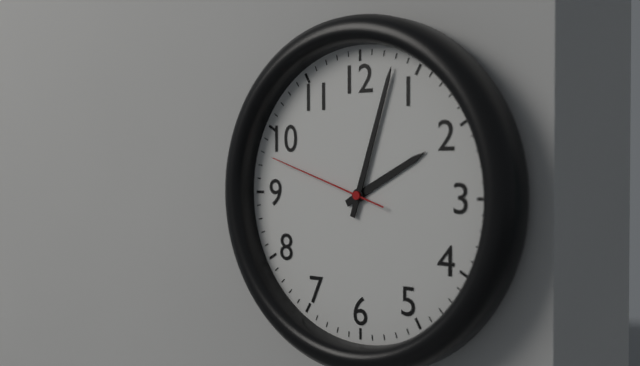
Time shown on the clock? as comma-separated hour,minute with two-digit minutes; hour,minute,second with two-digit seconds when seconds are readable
2,03,48
